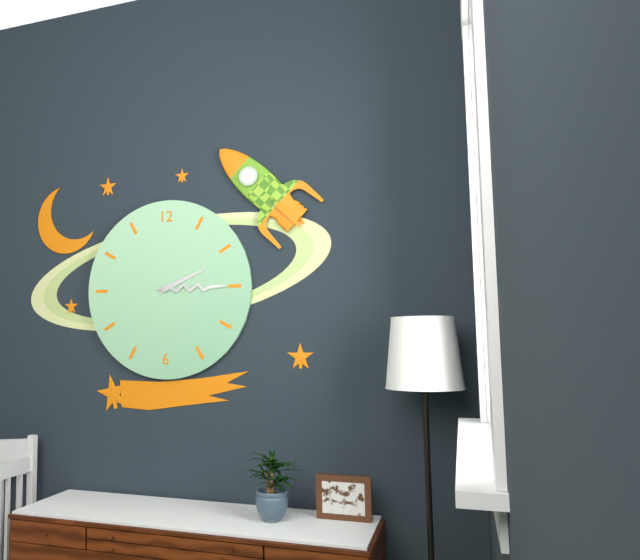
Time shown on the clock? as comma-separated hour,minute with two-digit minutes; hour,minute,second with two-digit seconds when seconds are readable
2,15
